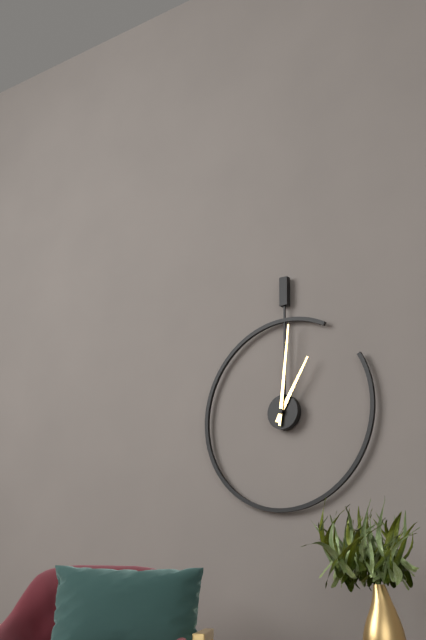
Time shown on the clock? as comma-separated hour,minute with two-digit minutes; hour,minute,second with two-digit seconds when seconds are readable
1,01
